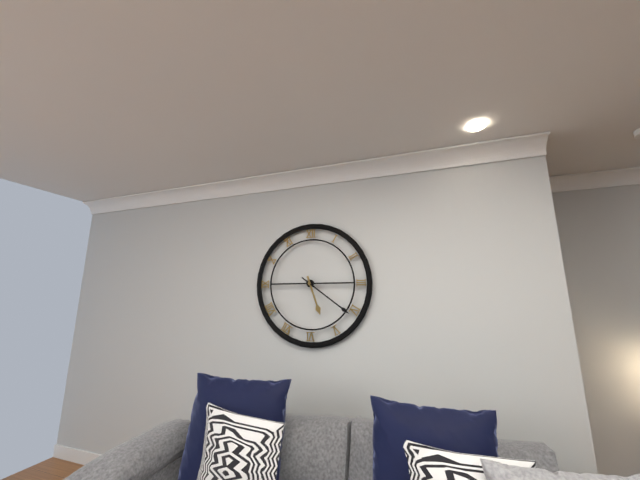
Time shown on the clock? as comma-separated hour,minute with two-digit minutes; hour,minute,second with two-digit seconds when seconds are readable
5,21
